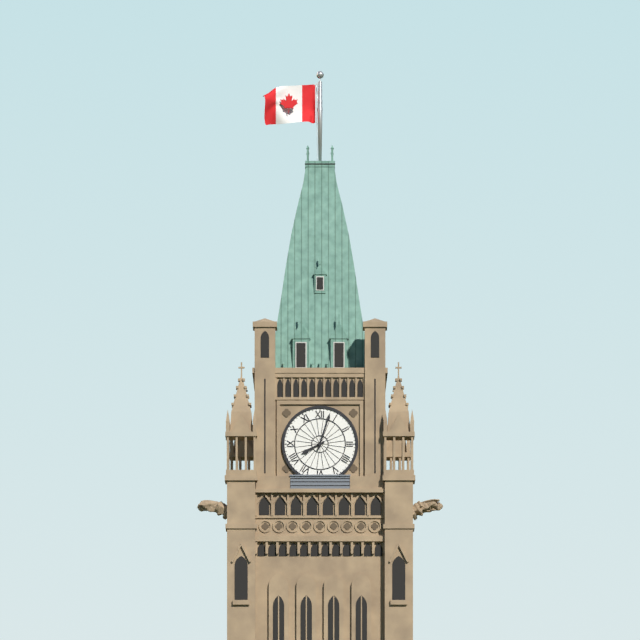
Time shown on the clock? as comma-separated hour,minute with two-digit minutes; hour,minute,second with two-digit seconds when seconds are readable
8,03
